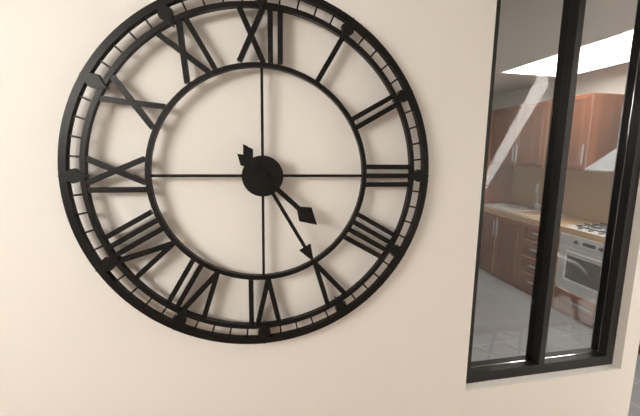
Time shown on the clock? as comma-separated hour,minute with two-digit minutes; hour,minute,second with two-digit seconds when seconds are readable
4,25
